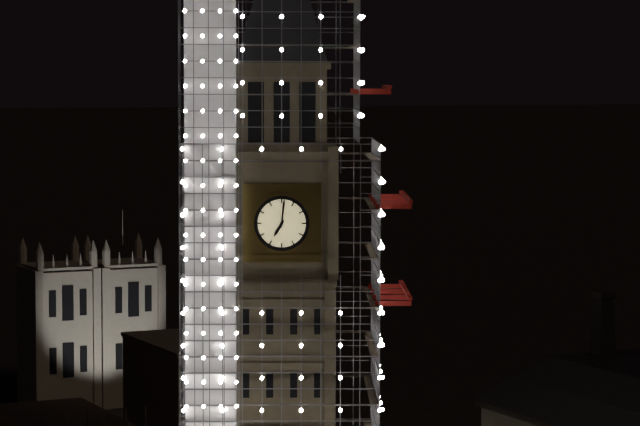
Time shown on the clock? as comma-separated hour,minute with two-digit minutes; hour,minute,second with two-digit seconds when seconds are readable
7,01
